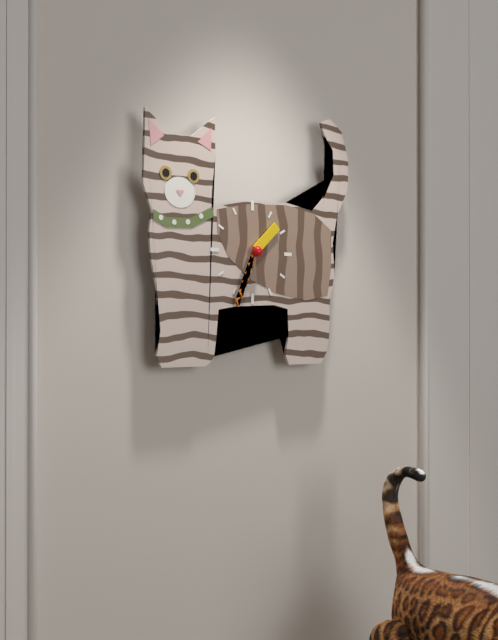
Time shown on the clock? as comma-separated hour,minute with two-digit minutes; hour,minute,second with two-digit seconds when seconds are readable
1,34
